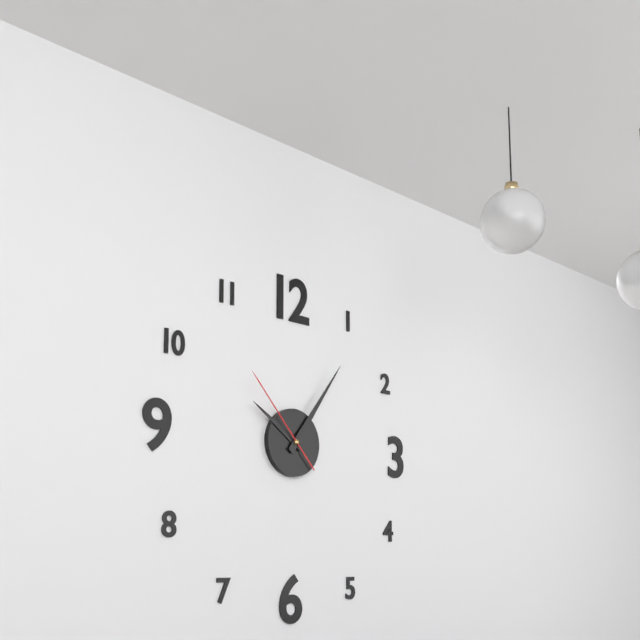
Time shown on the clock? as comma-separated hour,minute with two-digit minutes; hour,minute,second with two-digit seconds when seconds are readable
10,06,53
